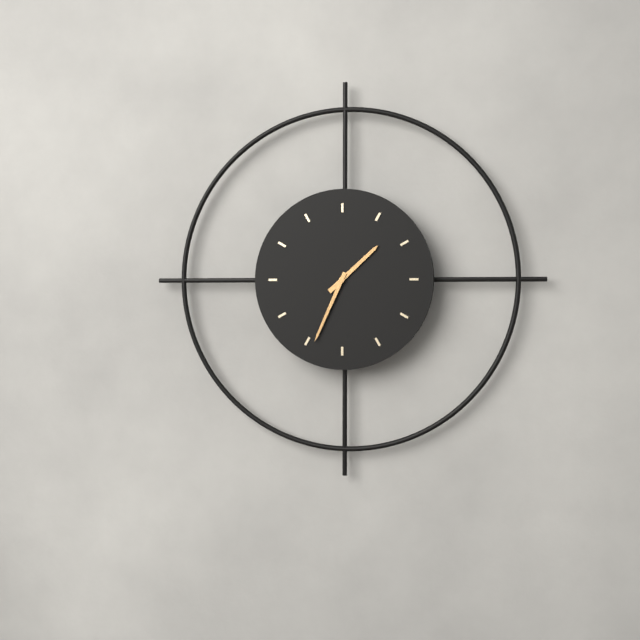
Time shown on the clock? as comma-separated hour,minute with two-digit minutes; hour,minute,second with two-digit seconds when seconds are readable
1,34
